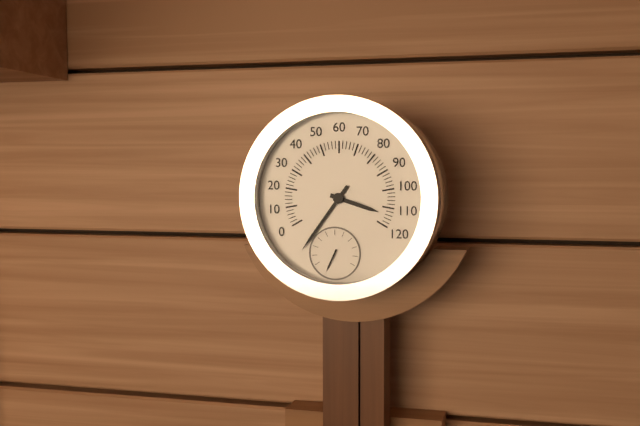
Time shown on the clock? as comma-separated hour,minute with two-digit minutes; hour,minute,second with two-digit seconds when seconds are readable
3,36
